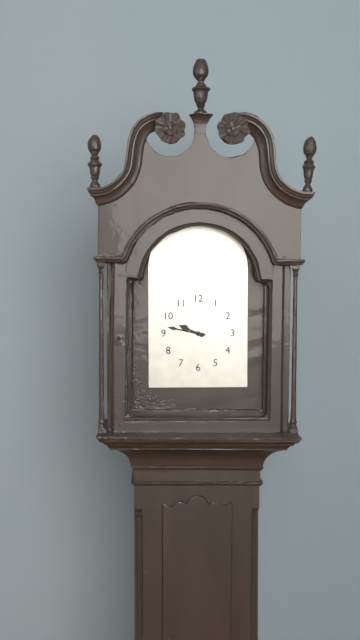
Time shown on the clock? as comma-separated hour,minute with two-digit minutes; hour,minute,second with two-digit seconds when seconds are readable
9,47
